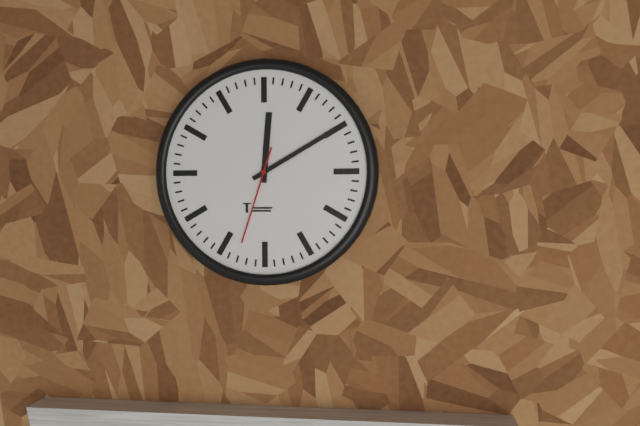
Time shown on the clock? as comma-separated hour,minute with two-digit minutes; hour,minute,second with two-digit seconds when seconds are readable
12,10,33
